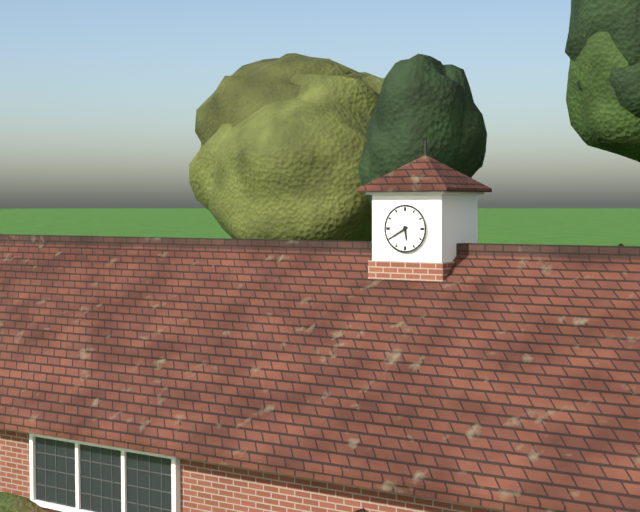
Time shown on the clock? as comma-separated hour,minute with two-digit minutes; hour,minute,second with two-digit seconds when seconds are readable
5,40
